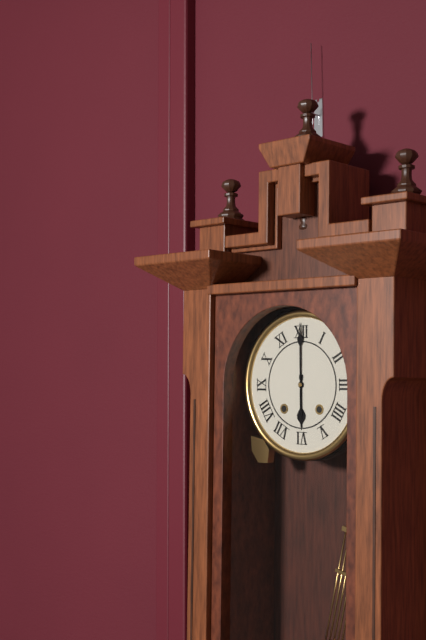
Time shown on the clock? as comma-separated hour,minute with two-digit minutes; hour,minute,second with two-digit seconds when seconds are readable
6,00
